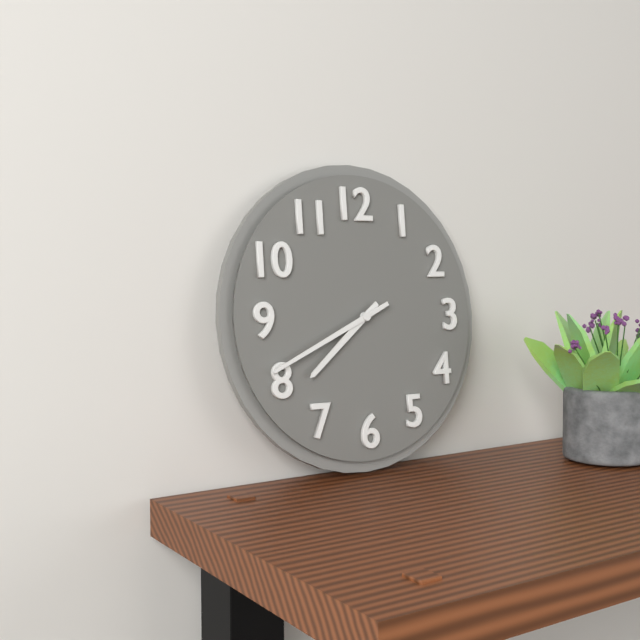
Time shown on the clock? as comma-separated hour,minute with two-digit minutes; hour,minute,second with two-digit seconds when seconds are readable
7,41
